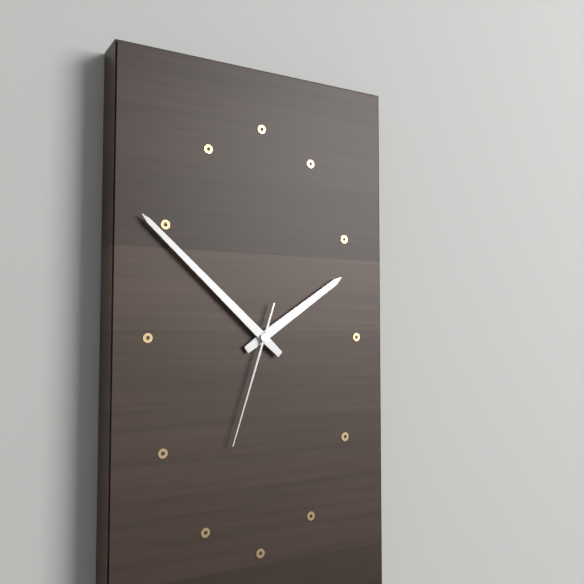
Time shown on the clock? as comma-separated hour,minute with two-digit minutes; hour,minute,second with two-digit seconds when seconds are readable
1,52,33
